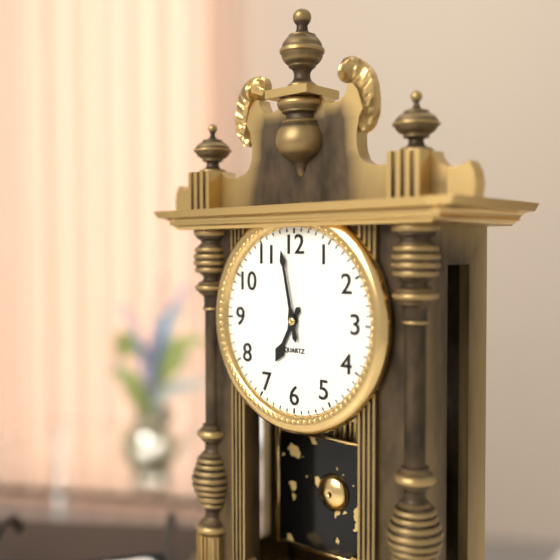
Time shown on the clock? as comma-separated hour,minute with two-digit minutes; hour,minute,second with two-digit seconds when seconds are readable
6,58
